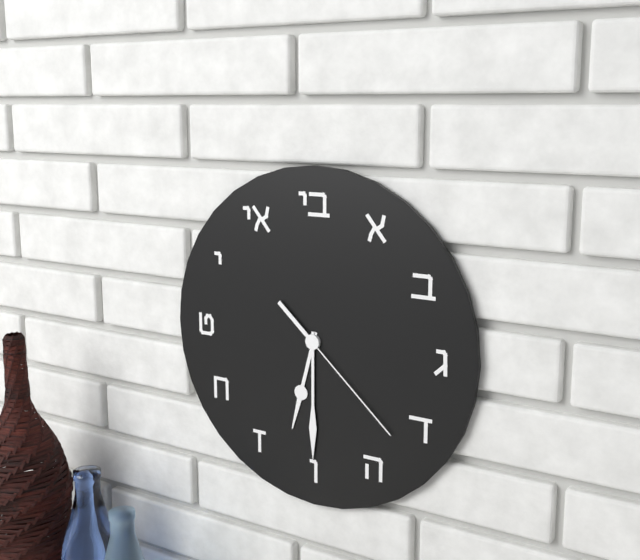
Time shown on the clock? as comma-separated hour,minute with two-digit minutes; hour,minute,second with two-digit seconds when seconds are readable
6,30,22
